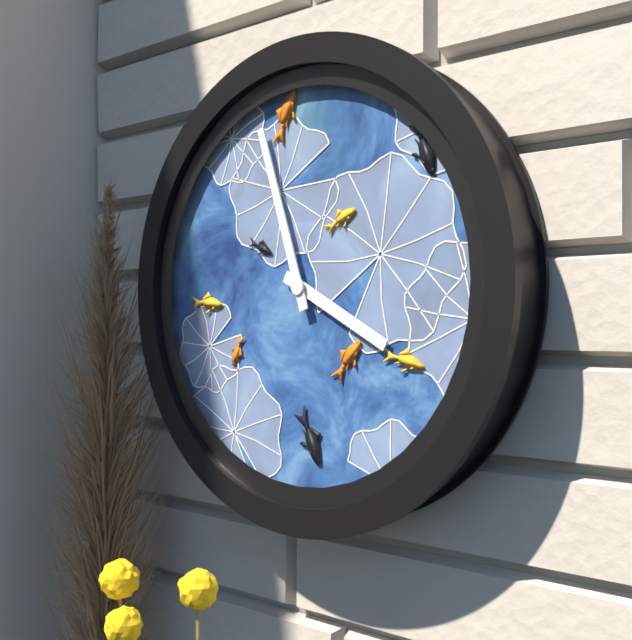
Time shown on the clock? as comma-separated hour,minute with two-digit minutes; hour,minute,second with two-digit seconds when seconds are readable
3,57
